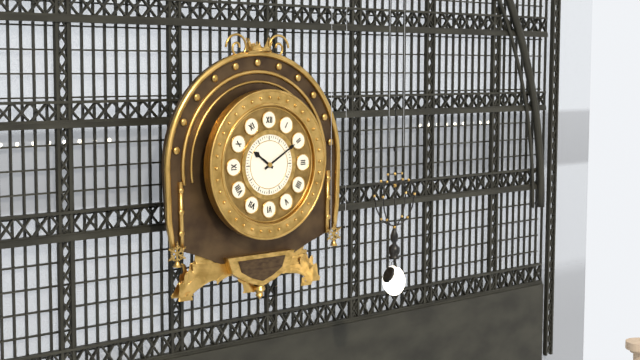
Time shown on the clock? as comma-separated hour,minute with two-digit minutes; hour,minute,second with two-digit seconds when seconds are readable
10,10
